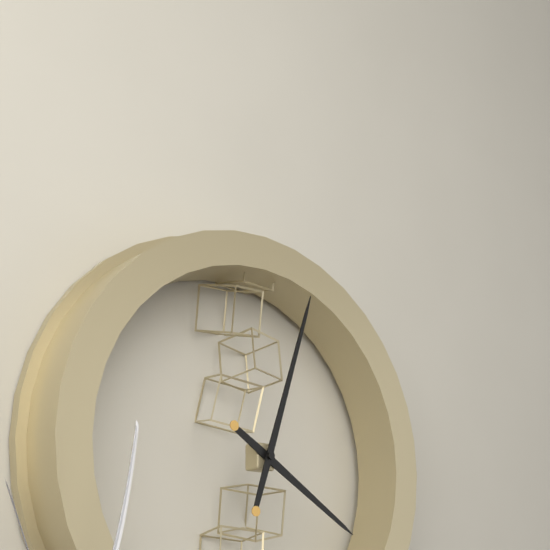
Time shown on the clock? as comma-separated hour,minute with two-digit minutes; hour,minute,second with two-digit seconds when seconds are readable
4,03
